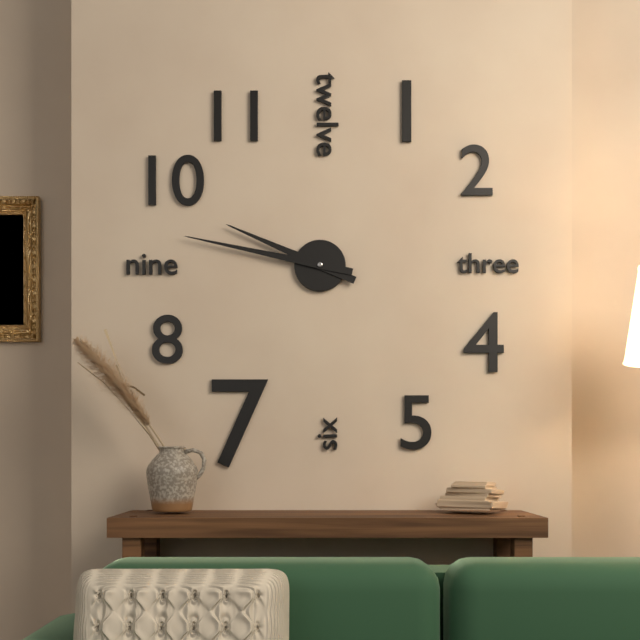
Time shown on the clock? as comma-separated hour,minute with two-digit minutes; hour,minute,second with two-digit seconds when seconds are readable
9,47
